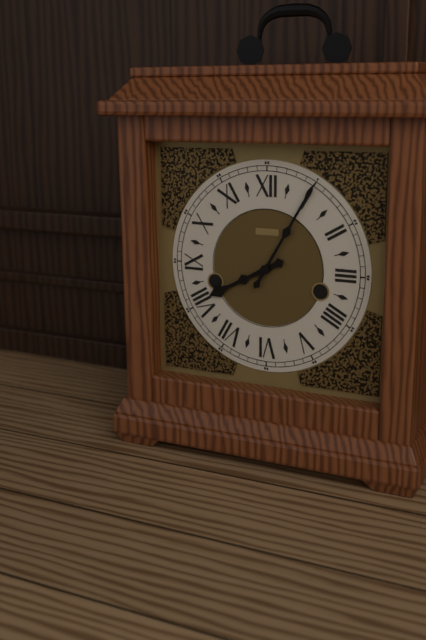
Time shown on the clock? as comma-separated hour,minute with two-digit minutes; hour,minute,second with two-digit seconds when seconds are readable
8,05
